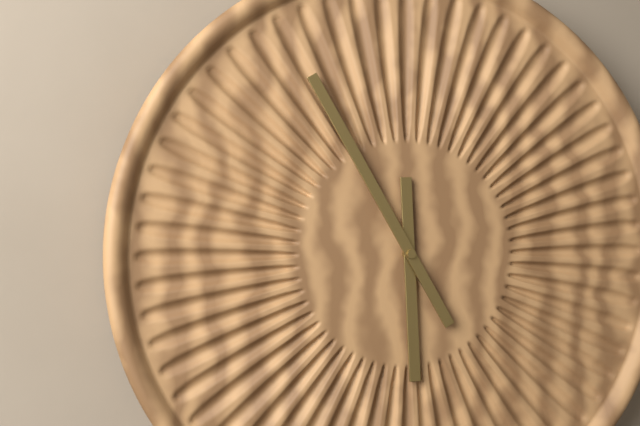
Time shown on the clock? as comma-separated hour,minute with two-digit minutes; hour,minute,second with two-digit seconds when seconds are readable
5,55
